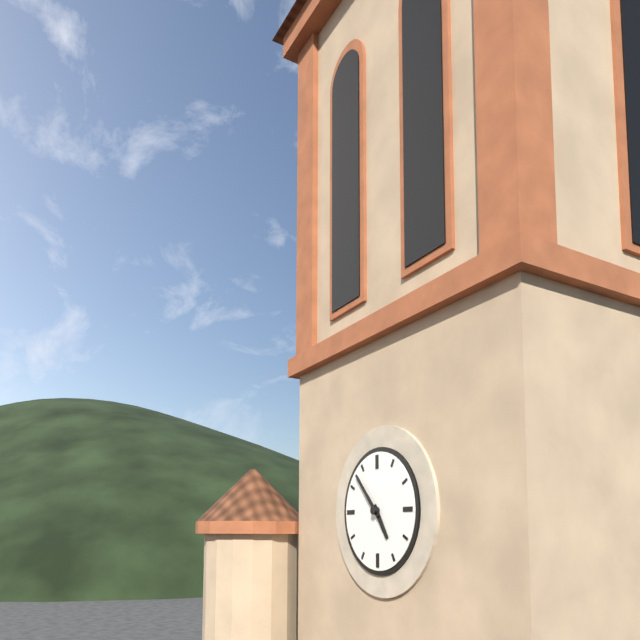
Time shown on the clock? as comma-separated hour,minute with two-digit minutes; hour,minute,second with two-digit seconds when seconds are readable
4,53
